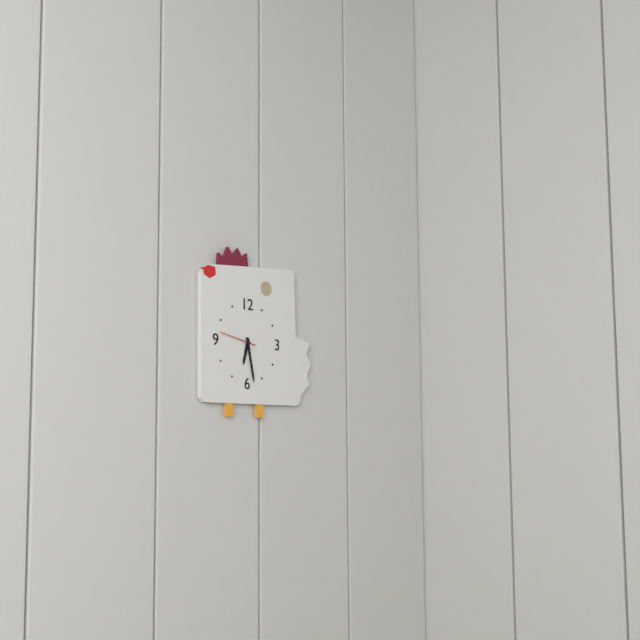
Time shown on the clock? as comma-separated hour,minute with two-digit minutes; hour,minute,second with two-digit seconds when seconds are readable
6,28
